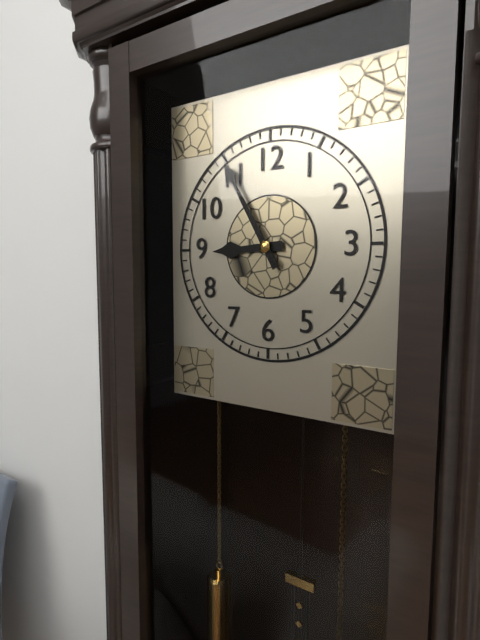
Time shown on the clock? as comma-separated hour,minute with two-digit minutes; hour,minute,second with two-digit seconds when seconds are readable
8,55
